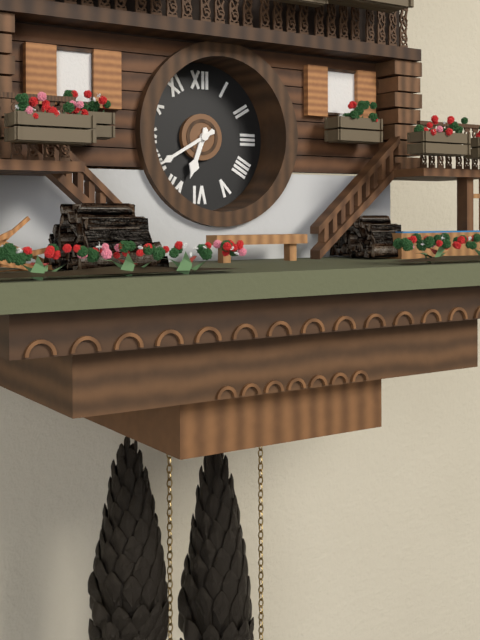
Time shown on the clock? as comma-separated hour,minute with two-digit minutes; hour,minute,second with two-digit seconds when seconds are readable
6,40
